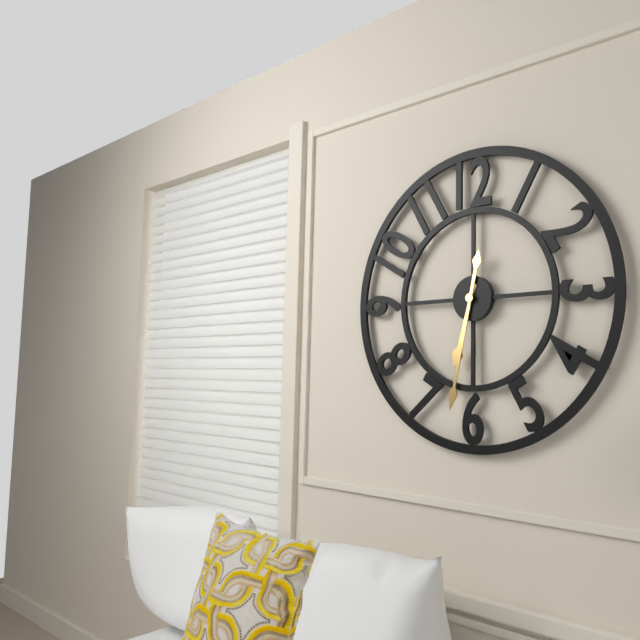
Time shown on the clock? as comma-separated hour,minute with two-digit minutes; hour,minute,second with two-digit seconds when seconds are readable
6,32
